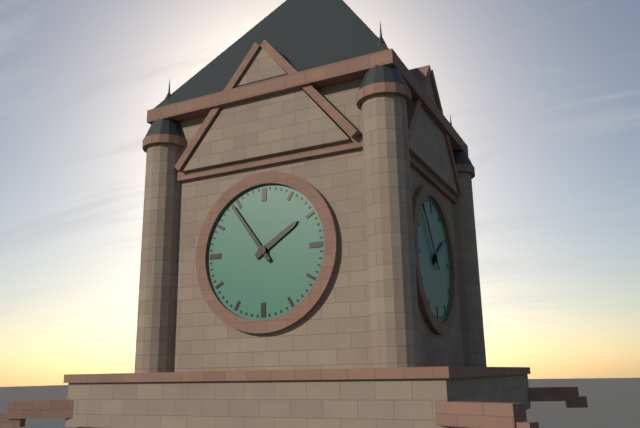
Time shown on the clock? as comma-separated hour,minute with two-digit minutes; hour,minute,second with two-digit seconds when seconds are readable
1,54
